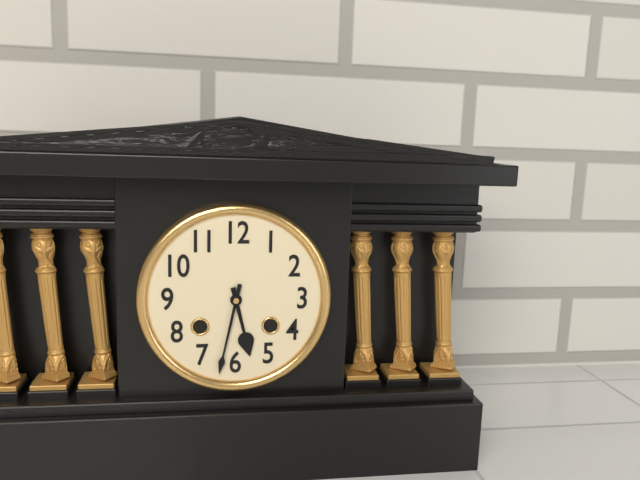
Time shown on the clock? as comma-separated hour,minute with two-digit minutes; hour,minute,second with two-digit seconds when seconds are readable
5,32
